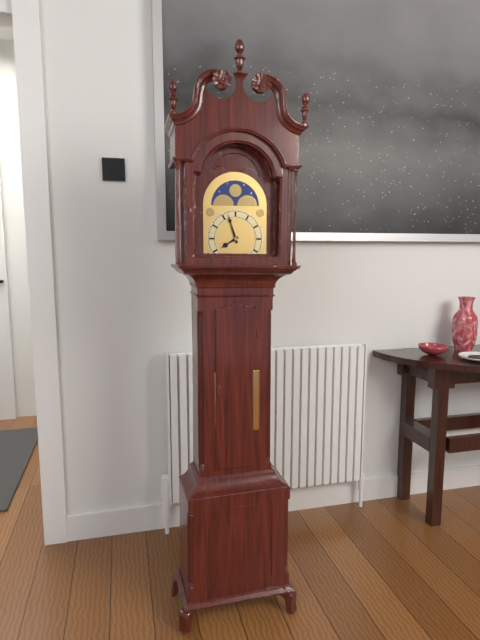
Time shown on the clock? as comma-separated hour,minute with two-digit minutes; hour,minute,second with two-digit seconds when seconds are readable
7,57
